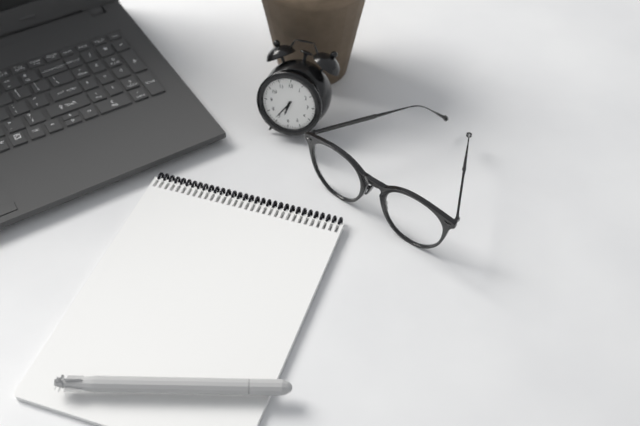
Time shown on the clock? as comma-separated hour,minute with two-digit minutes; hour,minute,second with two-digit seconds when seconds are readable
6,36
